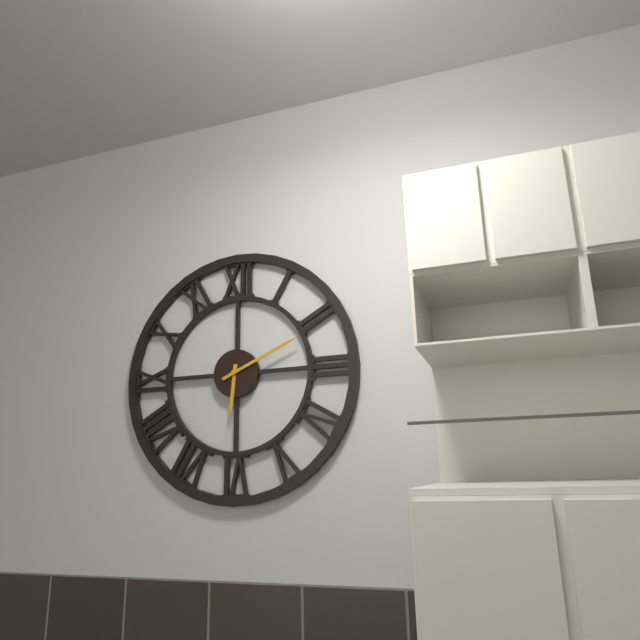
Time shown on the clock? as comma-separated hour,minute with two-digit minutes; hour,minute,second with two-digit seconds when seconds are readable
6,11
